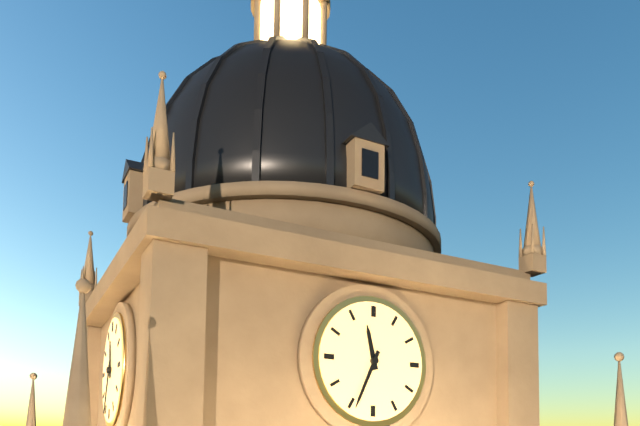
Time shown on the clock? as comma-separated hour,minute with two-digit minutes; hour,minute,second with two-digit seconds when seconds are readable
11,34
